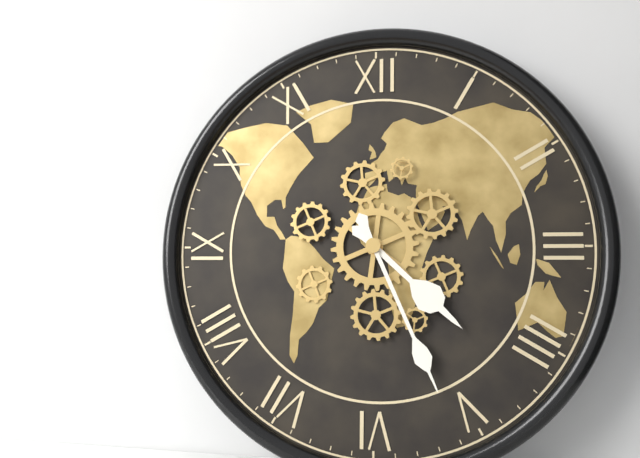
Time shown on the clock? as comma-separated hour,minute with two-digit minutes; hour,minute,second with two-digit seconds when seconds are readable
4,26
